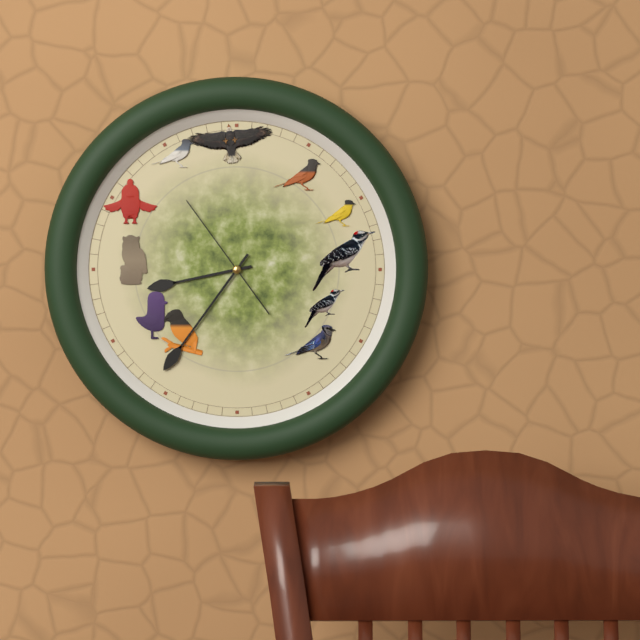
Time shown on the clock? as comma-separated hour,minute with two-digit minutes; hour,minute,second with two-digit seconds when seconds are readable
8,36,54
